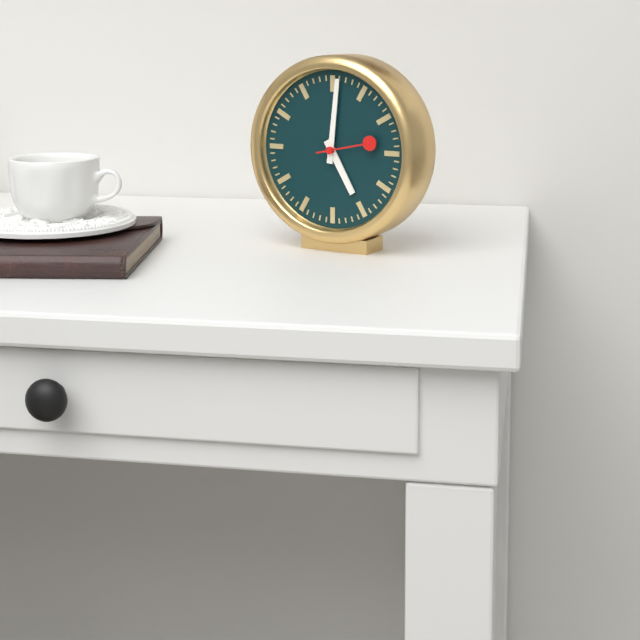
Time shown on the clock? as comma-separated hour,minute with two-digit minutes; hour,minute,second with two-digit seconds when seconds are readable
5,01
